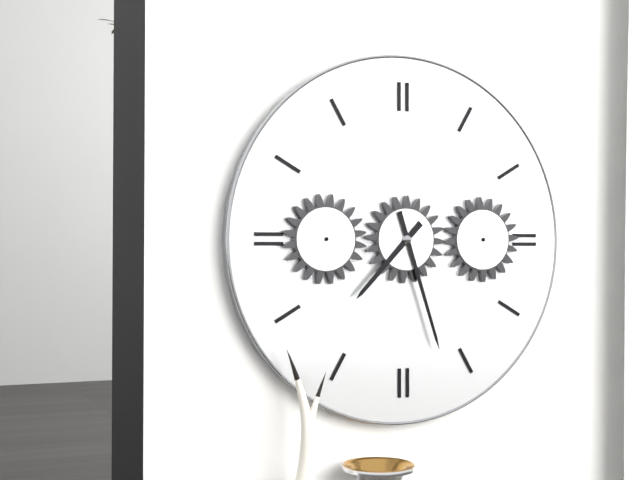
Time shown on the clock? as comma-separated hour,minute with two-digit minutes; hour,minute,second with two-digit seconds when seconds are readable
7,27
